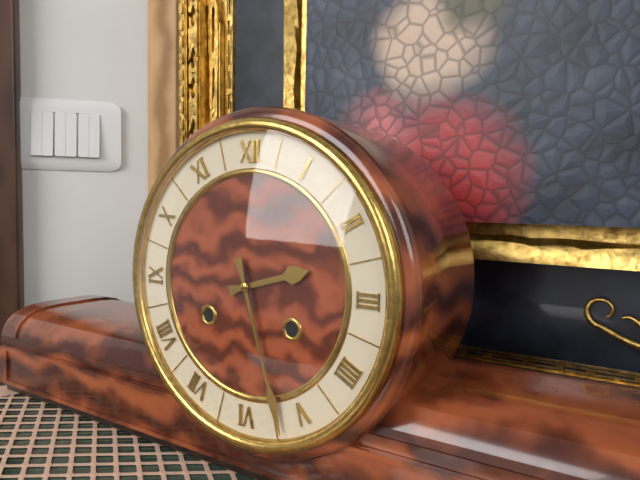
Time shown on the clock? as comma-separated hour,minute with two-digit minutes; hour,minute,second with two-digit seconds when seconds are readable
2,27
